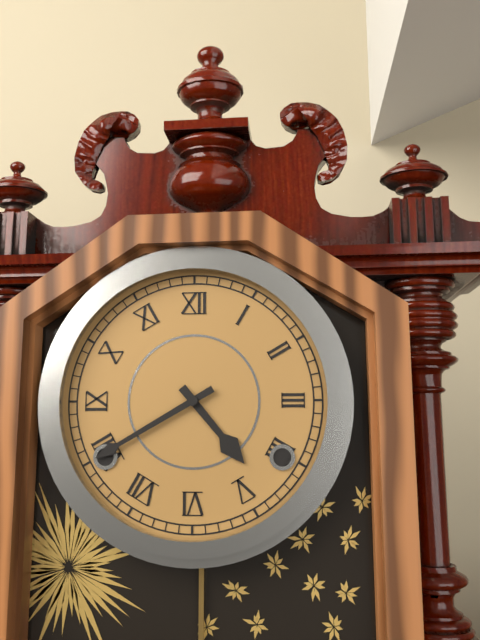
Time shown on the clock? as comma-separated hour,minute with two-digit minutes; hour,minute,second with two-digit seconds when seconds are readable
4,40
